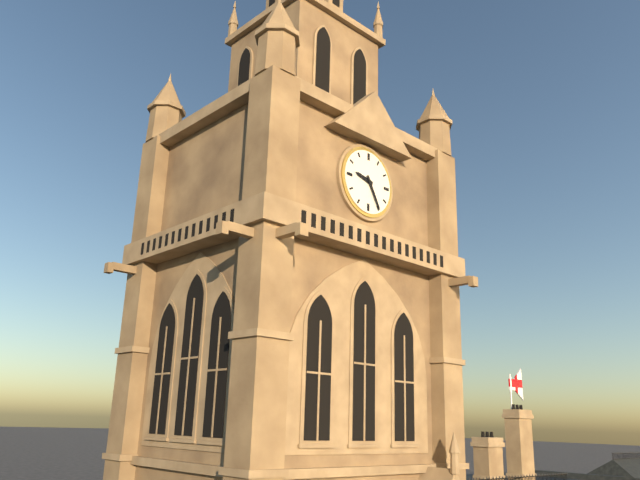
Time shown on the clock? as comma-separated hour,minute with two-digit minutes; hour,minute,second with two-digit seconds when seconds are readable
9,25
